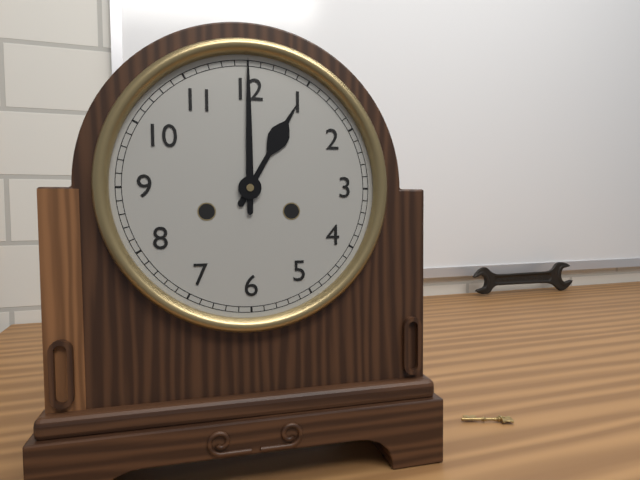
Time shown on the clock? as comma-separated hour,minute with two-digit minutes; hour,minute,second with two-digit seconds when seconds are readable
1,00
